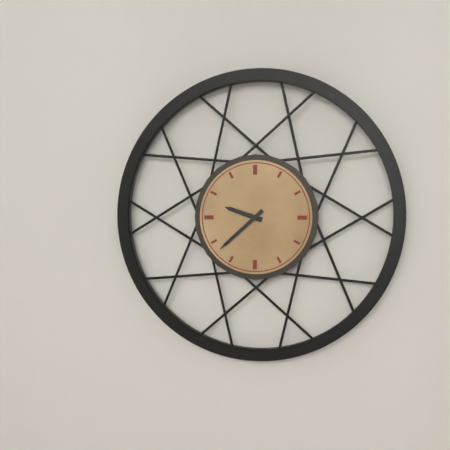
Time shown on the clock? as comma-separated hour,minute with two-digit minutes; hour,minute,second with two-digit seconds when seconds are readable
9,38
